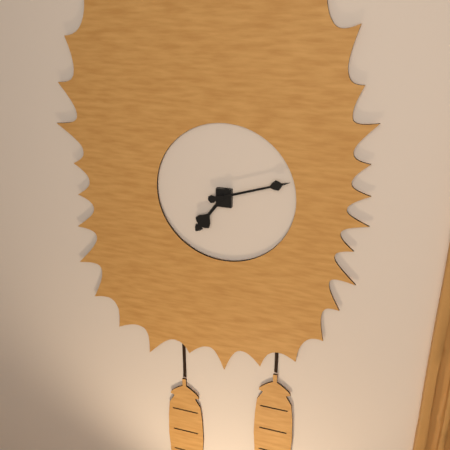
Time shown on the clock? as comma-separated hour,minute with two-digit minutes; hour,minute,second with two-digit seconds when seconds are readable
7,12
